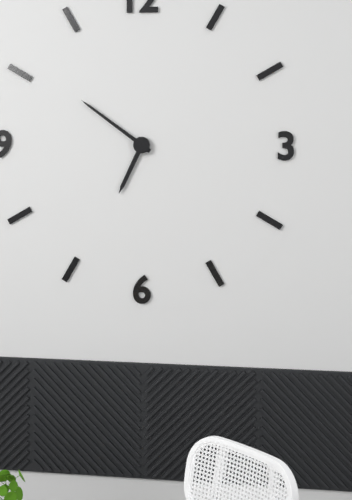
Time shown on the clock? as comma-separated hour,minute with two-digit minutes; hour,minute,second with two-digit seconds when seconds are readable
6,51
